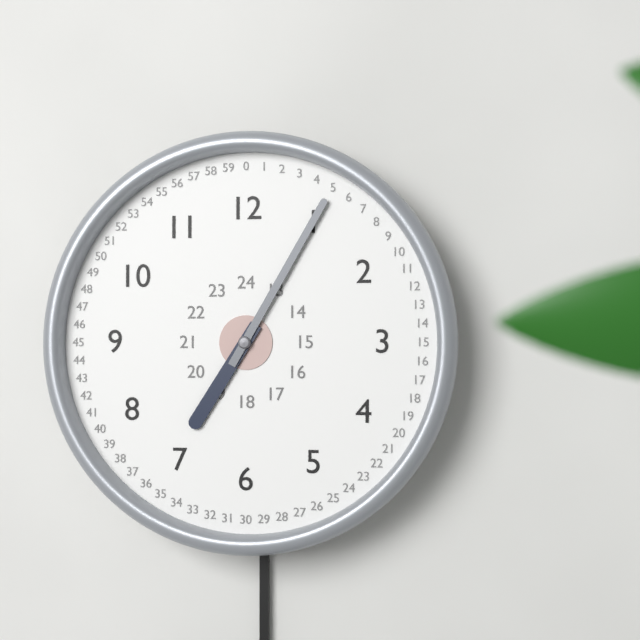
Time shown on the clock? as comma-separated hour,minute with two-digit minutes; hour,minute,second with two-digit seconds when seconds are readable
7,05
